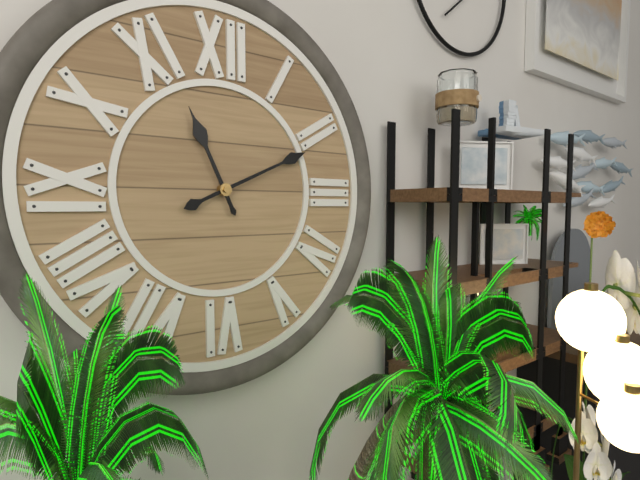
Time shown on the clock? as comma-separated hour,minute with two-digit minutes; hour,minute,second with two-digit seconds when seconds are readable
11,11
